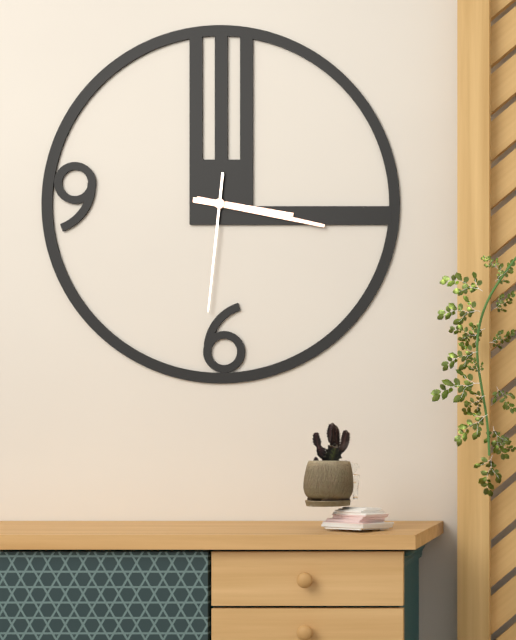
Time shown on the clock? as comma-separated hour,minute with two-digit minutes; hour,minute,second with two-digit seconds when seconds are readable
3,17,31
